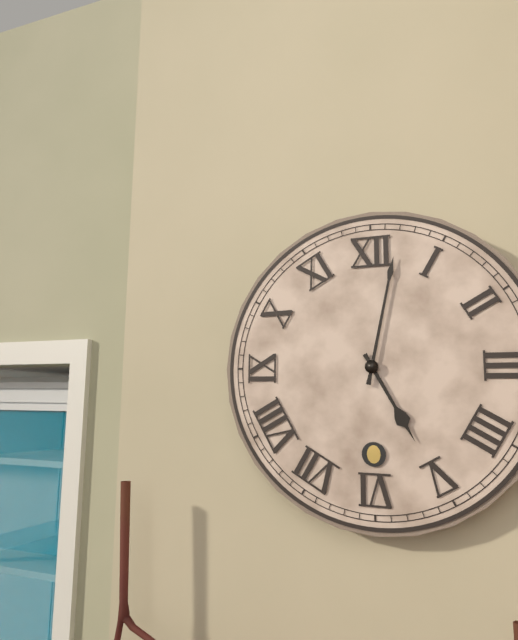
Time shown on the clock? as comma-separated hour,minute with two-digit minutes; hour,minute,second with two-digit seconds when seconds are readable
5,02
